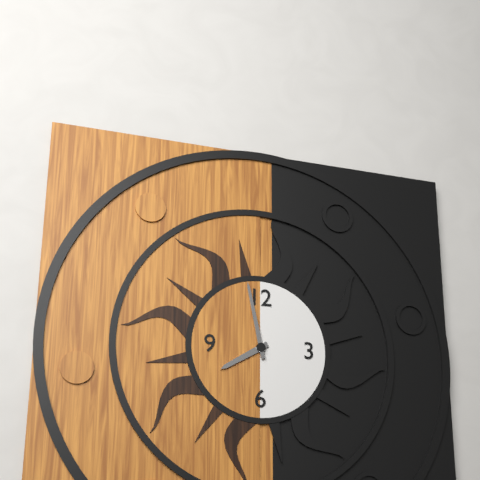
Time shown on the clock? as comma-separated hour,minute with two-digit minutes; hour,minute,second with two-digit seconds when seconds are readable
7,58
